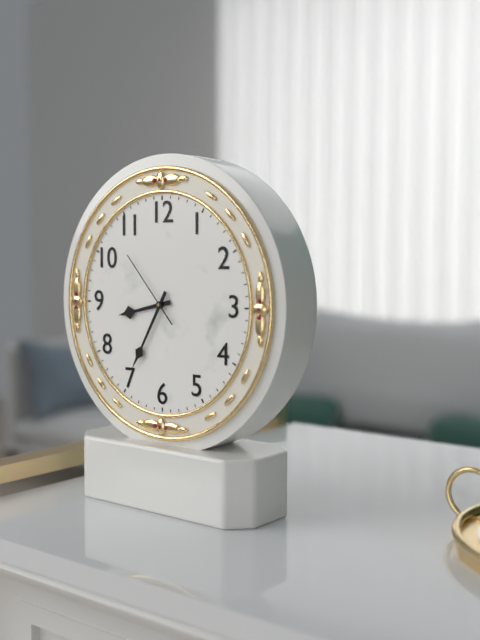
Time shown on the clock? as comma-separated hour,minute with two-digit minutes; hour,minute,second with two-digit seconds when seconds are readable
8,35,53
